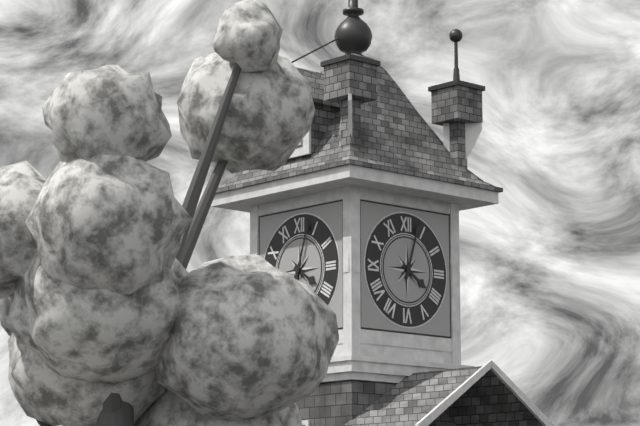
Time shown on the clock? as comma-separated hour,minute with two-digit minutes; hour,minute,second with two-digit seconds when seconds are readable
4,03
